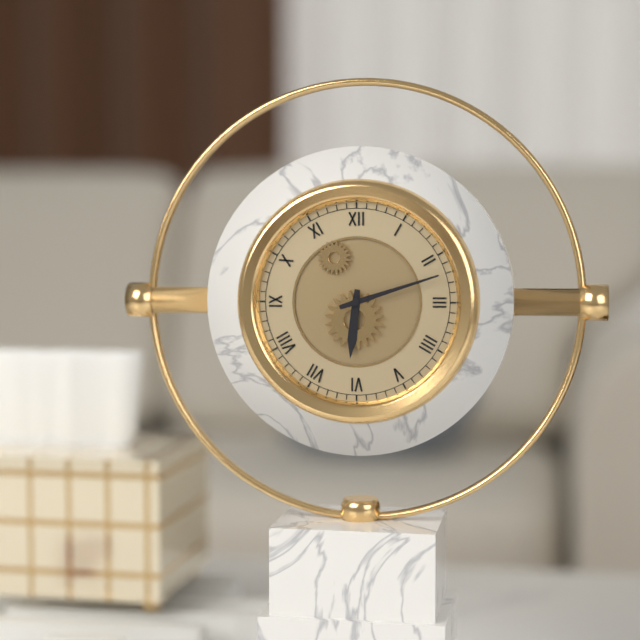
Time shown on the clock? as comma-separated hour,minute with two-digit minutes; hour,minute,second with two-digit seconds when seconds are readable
6,12
